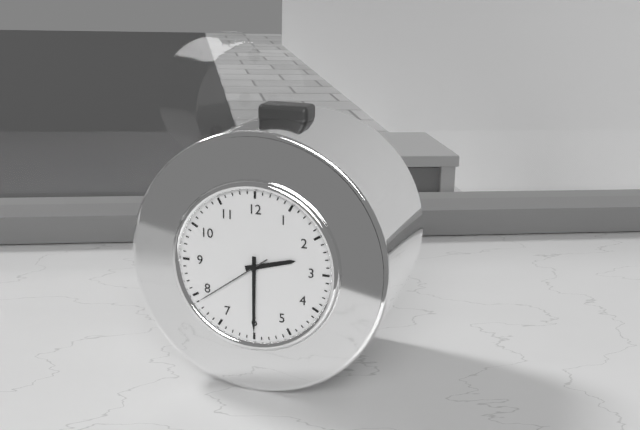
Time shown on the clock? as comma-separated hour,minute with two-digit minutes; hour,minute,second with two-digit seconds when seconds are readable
2,30,39
